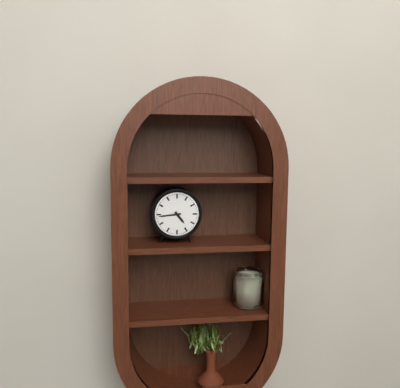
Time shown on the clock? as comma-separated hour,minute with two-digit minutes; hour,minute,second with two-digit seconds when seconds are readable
4,44
